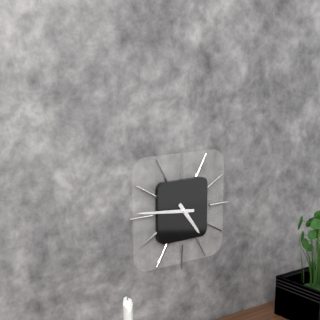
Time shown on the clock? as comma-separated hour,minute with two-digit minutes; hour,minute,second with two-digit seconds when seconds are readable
4,46
